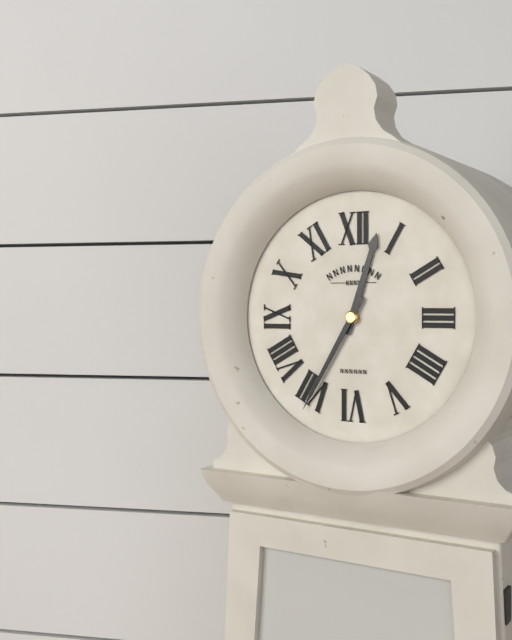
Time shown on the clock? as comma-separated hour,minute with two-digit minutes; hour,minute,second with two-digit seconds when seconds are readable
12,35
